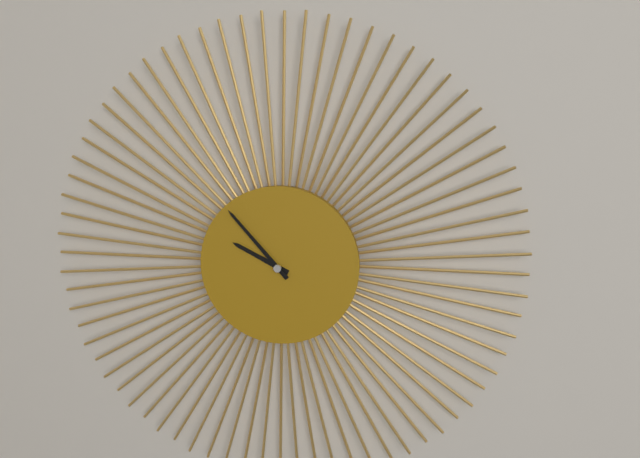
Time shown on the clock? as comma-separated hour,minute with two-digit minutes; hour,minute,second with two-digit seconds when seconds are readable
9,53
